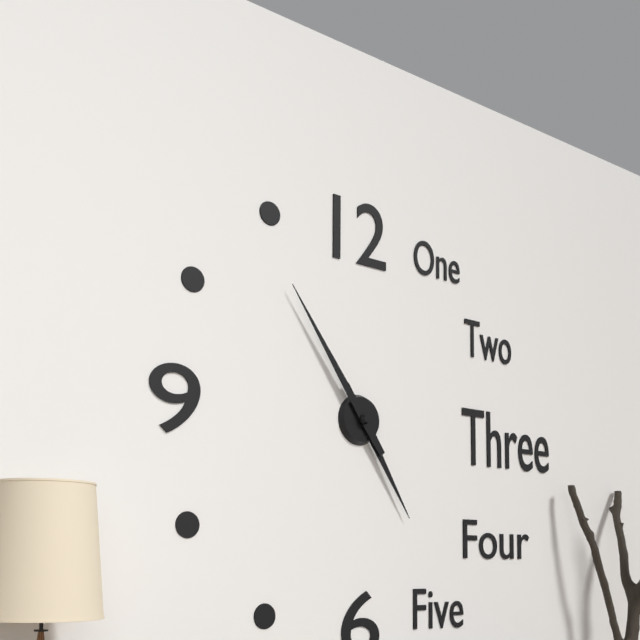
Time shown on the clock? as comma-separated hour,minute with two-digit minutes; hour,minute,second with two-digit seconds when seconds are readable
4,54
